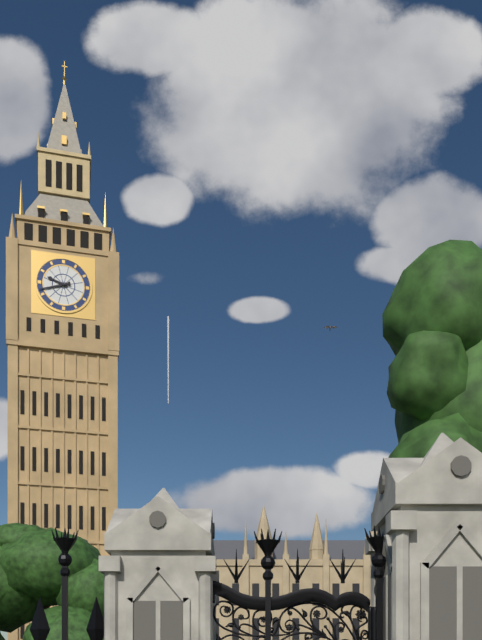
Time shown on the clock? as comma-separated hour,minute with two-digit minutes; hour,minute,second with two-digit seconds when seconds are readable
9,42
